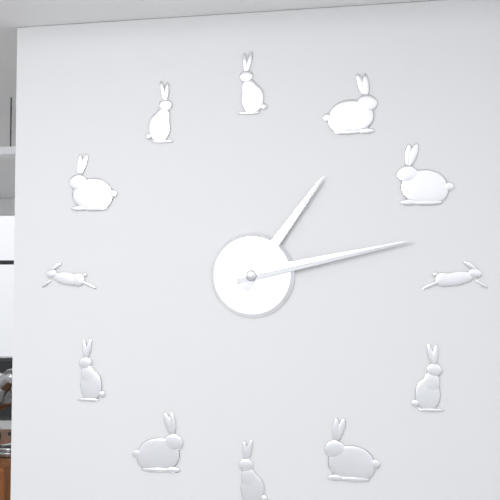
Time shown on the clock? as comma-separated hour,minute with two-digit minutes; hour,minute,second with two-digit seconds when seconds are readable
1,13
